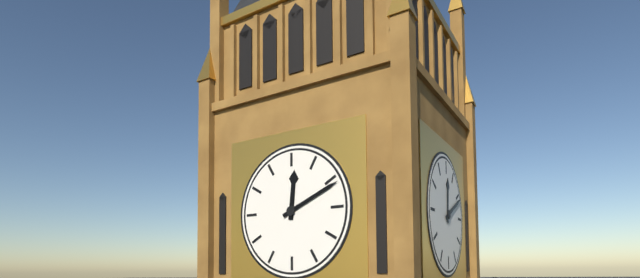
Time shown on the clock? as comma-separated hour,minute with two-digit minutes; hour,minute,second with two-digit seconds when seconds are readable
12,11
